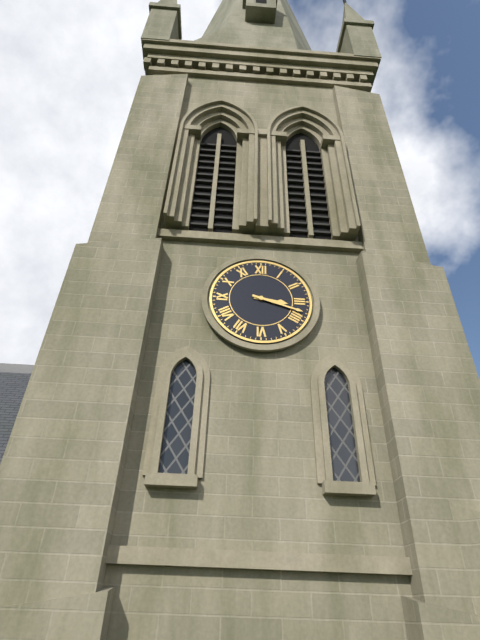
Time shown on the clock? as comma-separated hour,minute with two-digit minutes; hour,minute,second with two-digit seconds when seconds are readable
3,18
